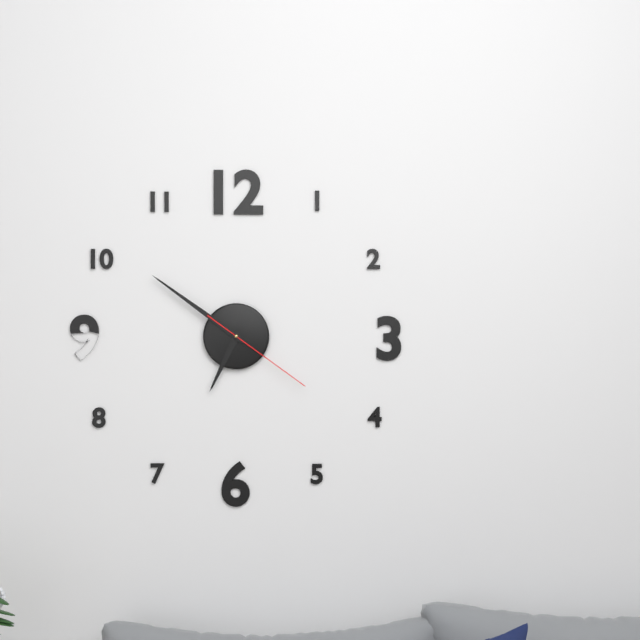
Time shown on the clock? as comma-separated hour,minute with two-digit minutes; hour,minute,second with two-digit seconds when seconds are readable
6,51,21
